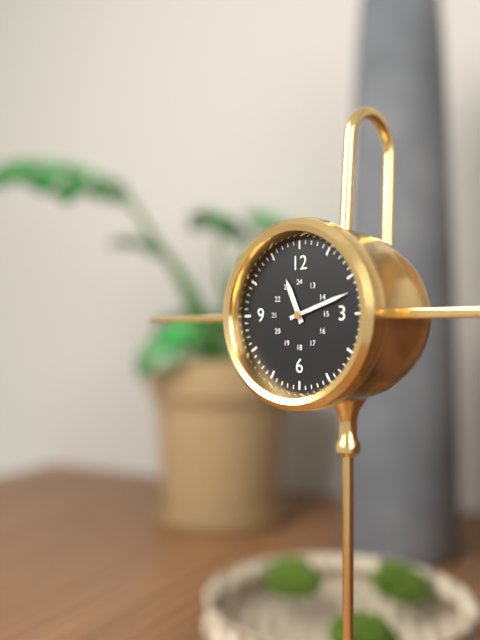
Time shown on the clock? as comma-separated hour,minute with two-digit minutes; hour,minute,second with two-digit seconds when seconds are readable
11,12
